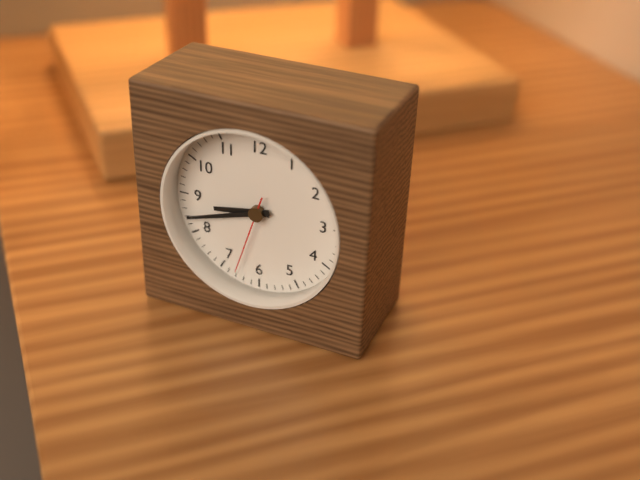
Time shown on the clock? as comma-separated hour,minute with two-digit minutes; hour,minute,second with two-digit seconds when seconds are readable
8,42,33
